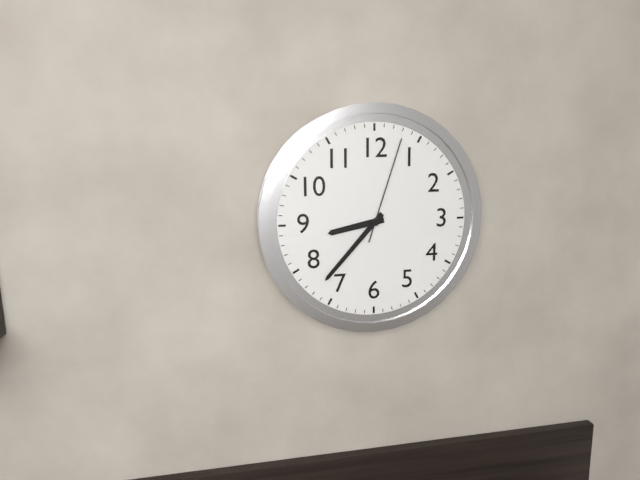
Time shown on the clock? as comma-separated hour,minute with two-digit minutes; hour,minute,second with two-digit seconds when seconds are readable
8,37,03
